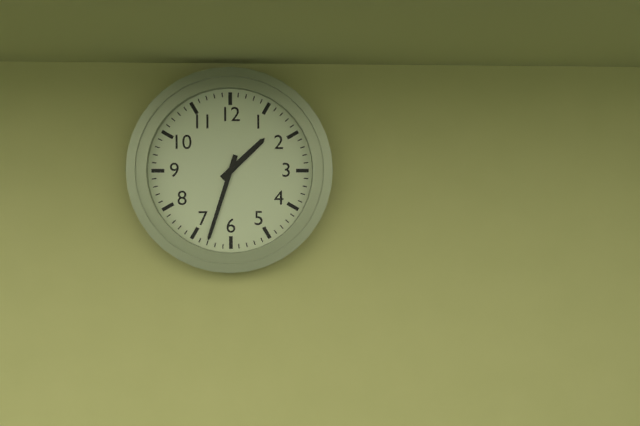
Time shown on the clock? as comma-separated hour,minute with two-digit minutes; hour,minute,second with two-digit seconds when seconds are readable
1,33
